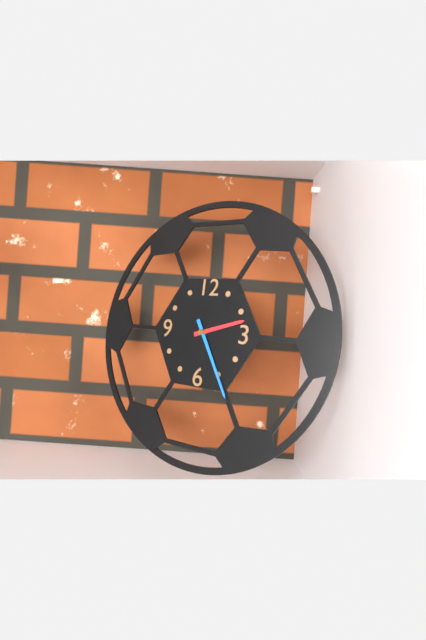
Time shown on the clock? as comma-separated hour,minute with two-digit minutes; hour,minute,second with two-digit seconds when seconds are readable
2,25
